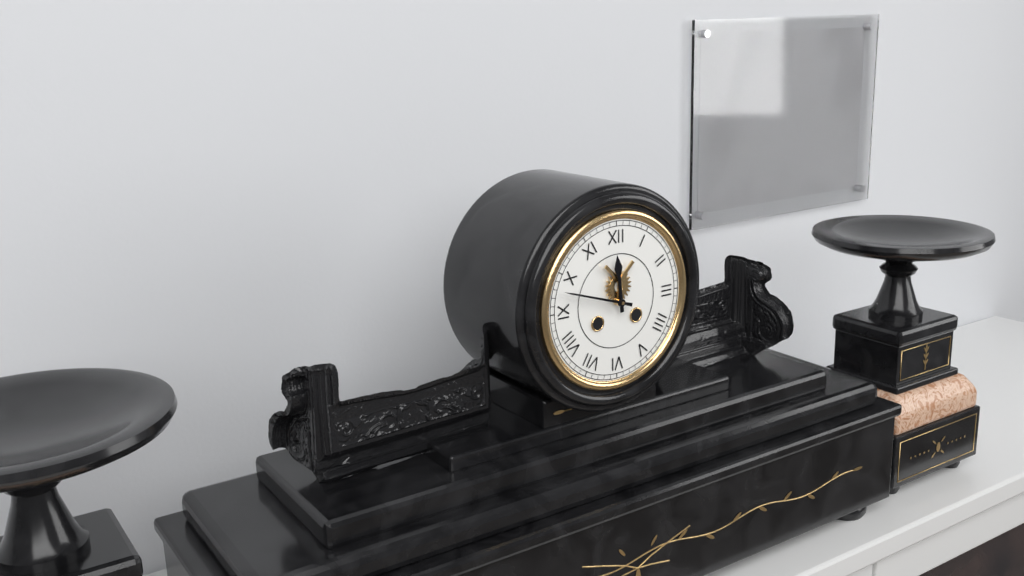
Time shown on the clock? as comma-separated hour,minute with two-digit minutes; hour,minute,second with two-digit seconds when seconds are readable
11,48
